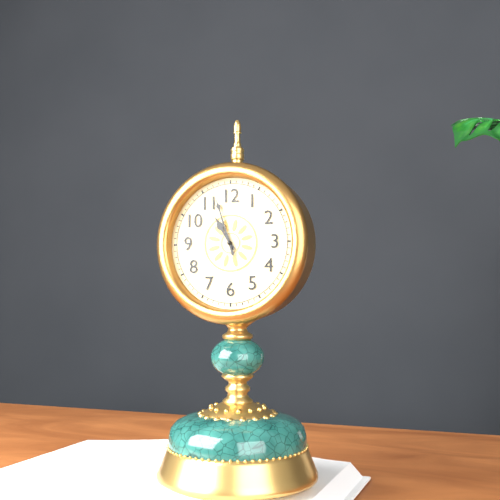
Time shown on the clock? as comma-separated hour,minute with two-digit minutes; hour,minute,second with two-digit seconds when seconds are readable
10,57
